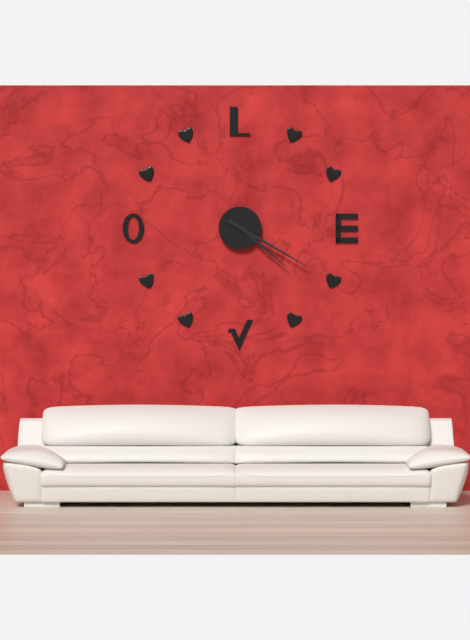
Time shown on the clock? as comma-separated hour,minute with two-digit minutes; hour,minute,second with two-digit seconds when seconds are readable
4,20
